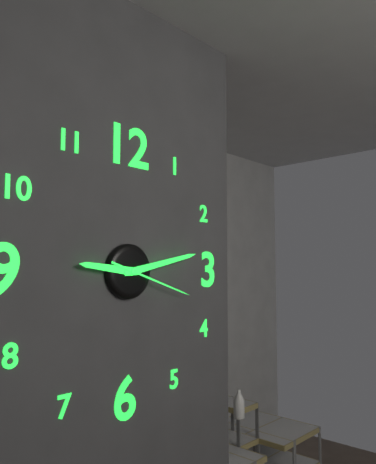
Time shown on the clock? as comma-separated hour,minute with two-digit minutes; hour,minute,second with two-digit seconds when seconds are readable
9,13,18
